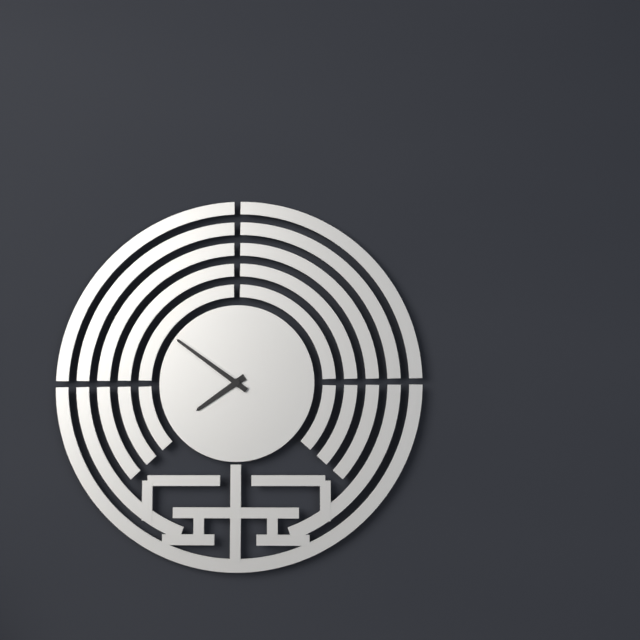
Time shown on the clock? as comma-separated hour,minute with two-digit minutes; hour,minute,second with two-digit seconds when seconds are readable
7,51
